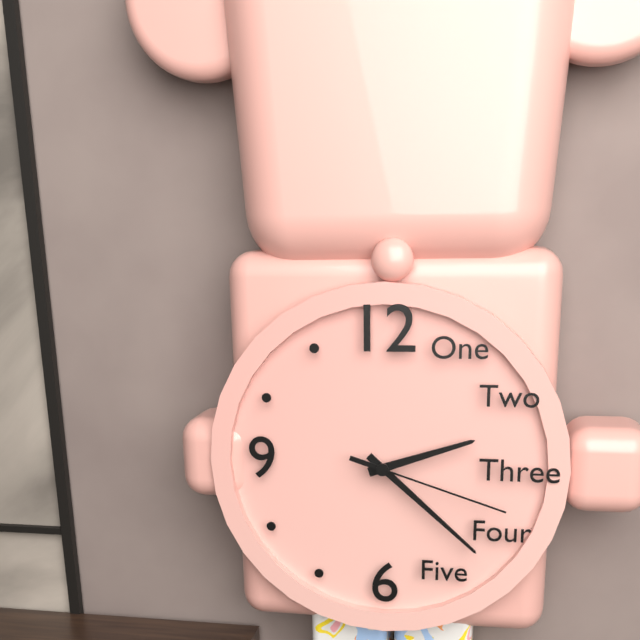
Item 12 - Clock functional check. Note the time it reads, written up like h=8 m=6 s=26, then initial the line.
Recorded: h=2 m=22 s=18
